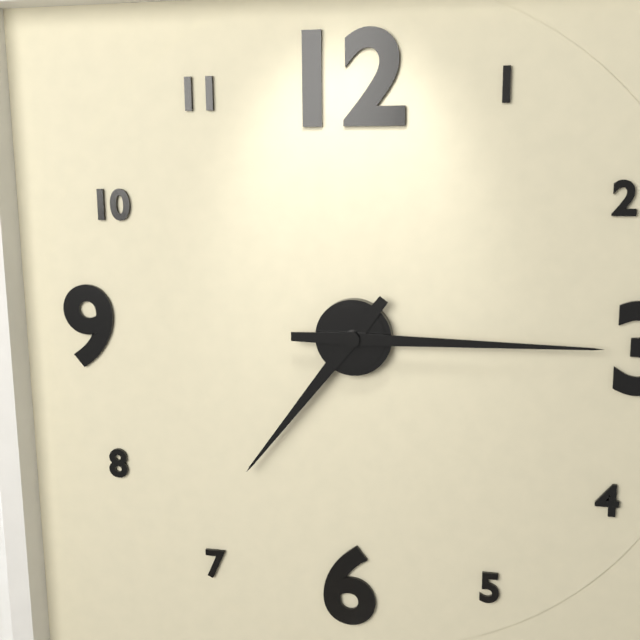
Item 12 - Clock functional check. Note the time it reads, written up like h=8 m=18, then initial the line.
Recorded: h=7 m=15
